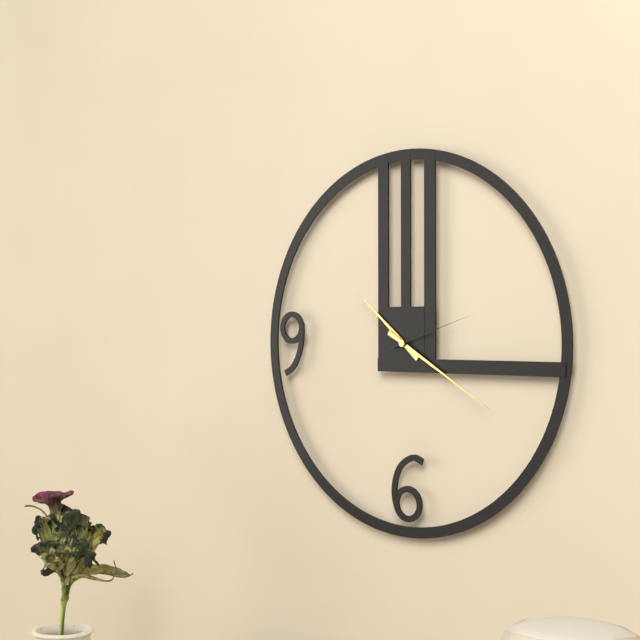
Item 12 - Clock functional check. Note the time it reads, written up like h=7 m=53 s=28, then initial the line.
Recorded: h=10 m=20 s=12
